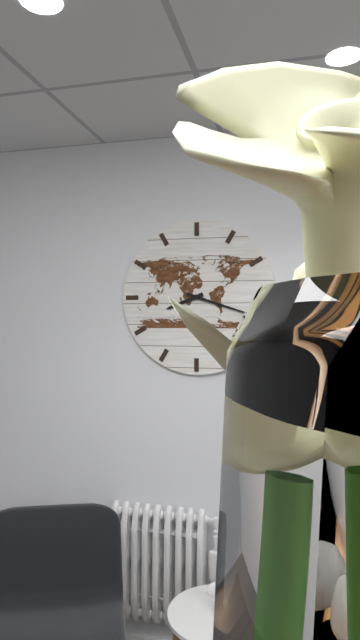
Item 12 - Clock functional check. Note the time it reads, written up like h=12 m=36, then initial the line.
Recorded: h=8 m=18
